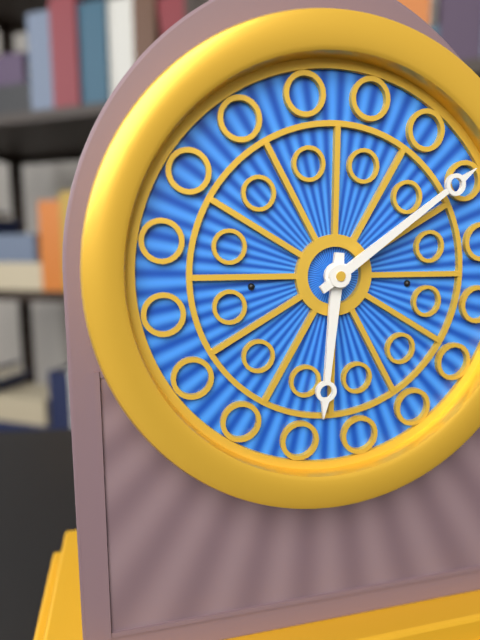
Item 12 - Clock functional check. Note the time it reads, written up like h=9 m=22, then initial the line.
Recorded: h=6 m=9
